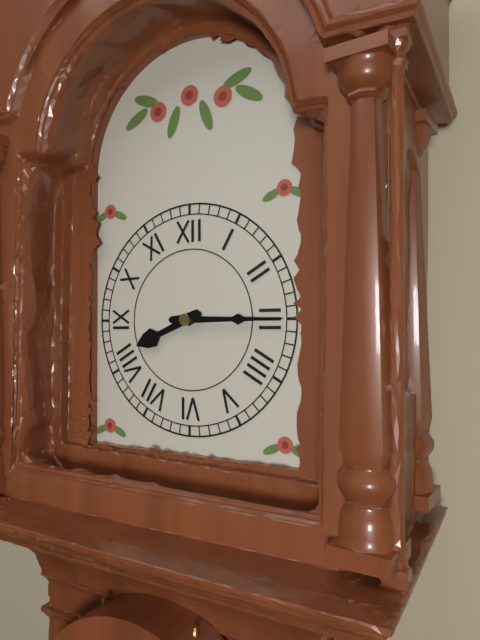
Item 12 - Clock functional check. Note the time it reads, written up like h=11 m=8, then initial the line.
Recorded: h=8 m=15
